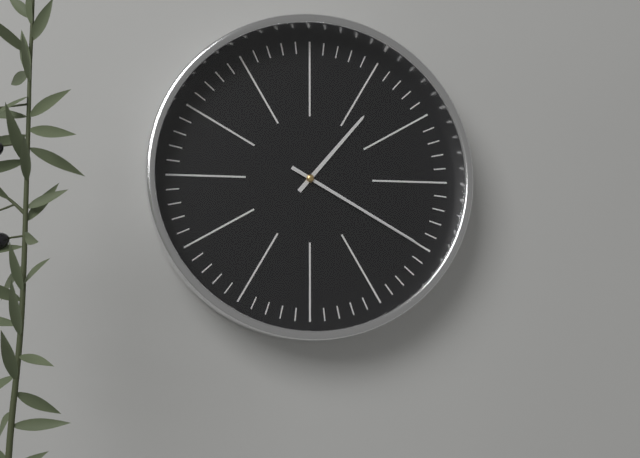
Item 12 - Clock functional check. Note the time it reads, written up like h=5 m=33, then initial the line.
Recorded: h=1 m=20
